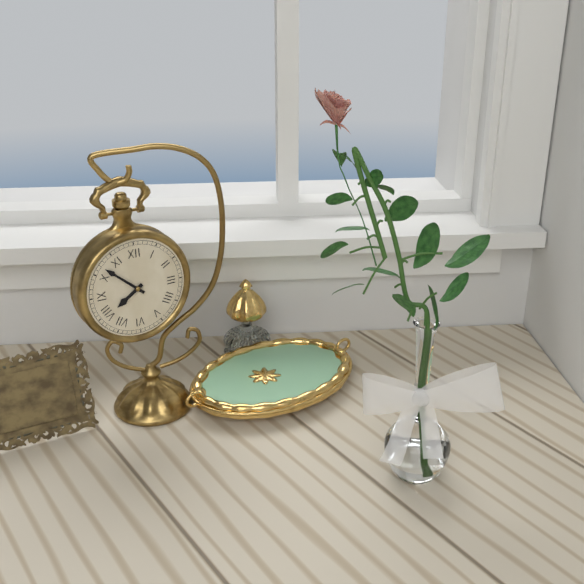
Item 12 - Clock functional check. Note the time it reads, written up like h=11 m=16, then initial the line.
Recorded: h=7 m=52
